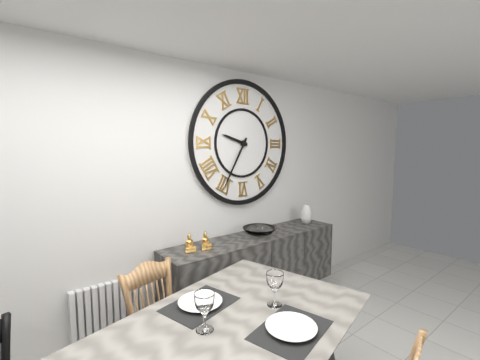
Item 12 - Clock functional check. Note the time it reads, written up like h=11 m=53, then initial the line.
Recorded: h=9 m=35
